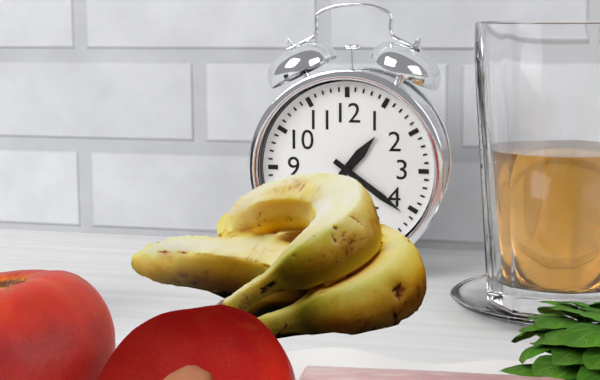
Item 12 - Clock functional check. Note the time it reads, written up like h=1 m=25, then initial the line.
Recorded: h=1 m=21
